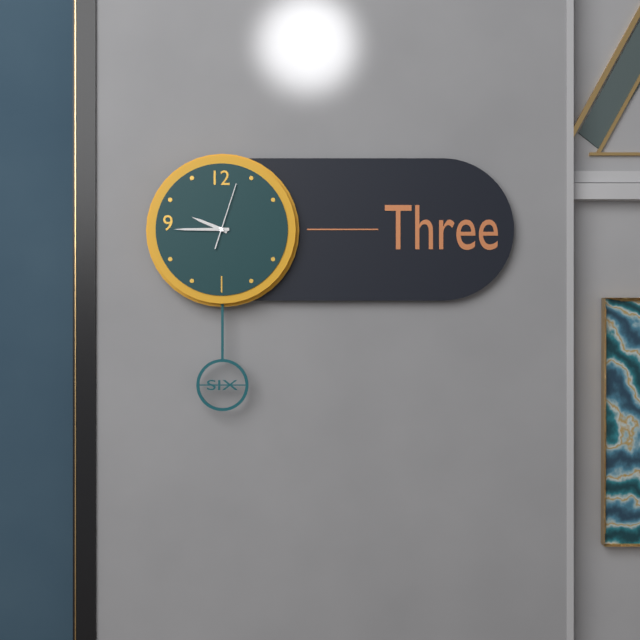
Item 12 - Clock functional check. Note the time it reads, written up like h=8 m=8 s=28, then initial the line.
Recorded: h=9 m=45 s=3
